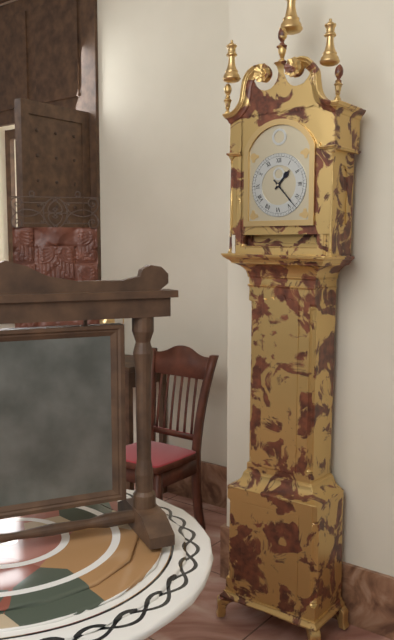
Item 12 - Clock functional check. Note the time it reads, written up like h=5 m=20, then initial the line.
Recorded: h=1 m=23
